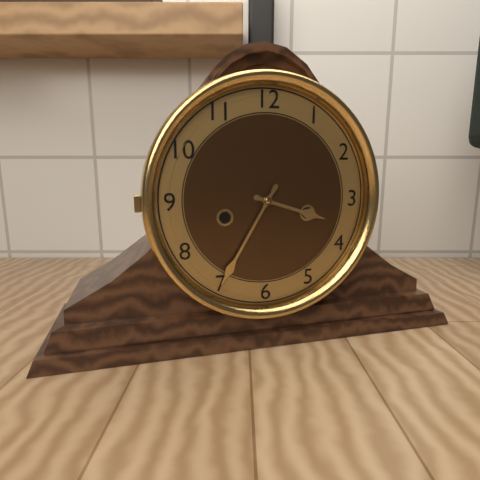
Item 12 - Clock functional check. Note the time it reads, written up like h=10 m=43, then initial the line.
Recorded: h=3 m=35
